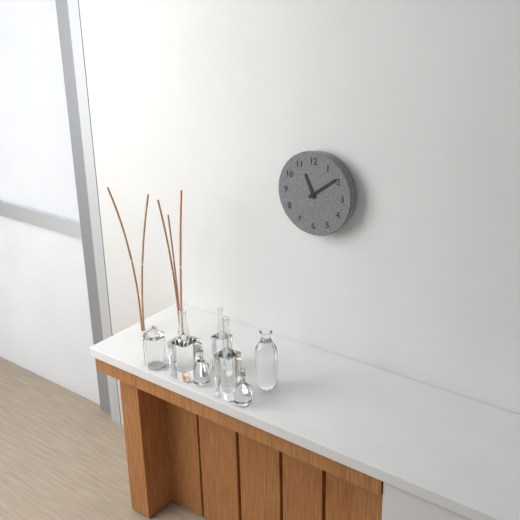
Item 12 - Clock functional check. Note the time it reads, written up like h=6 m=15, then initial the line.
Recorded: h=11 m=9
